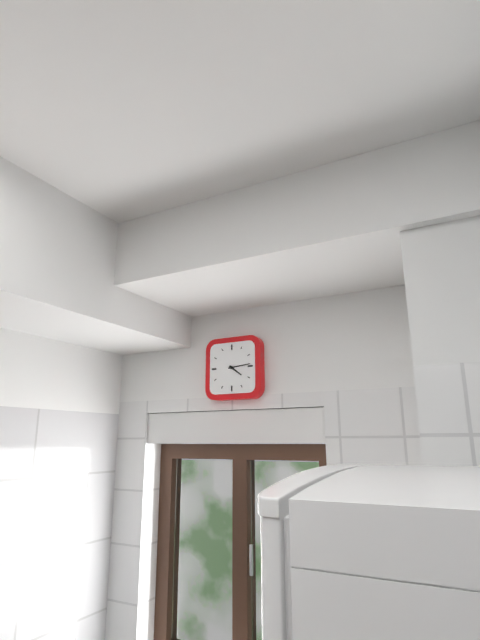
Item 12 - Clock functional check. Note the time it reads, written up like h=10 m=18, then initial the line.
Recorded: h=4 m=14
